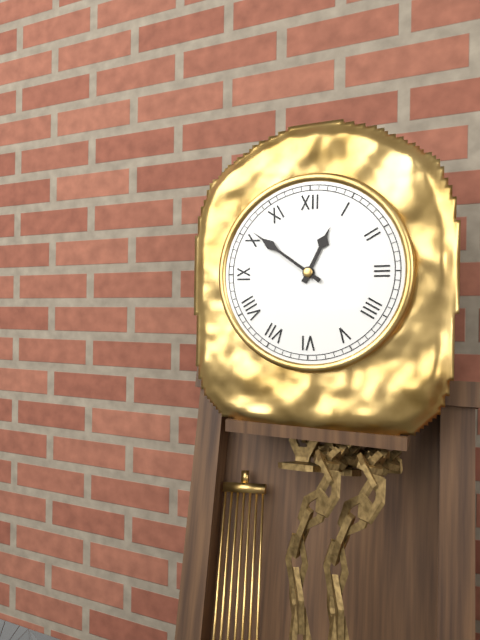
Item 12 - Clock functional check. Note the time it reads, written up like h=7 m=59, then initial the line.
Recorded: h=12 m=51
